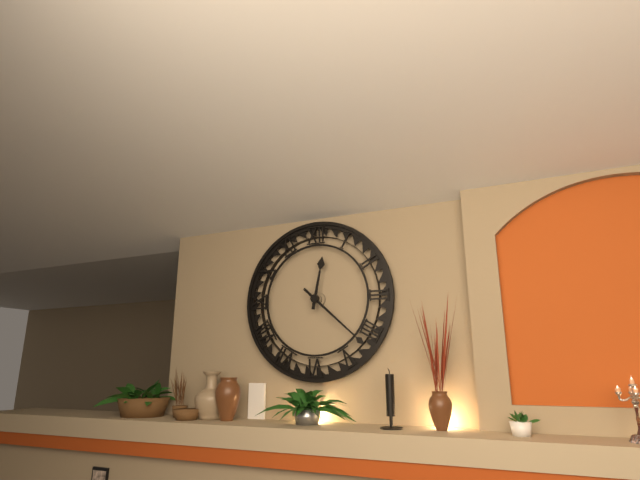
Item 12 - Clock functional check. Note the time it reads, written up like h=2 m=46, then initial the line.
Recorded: h=12 m=22
